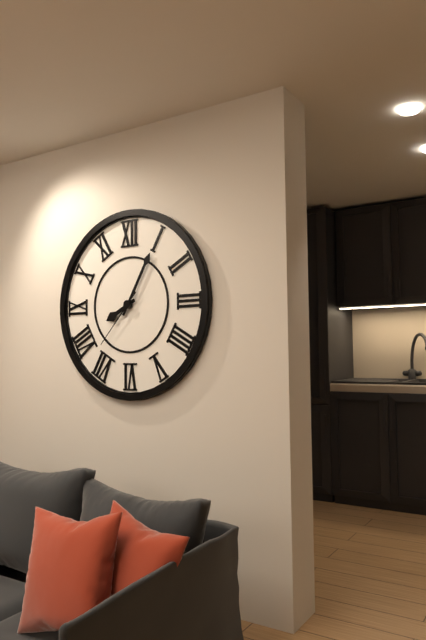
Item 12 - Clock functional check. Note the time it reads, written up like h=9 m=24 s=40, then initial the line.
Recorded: h=8 m=5 s=37
